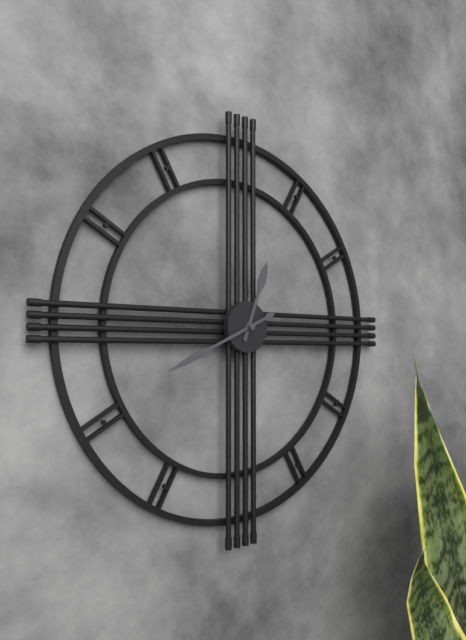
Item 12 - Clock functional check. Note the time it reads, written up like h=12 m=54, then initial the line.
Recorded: h=12 m=41
